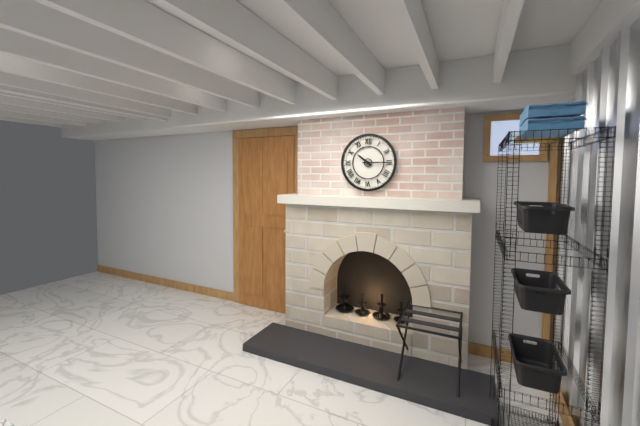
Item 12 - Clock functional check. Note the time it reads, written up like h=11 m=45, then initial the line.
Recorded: h=10 m=15
